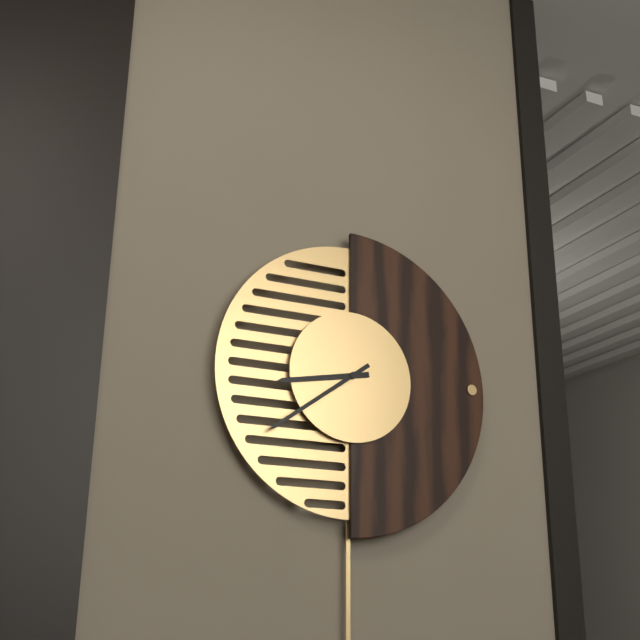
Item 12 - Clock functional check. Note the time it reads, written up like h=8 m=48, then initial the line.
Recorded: h=8 m=39
